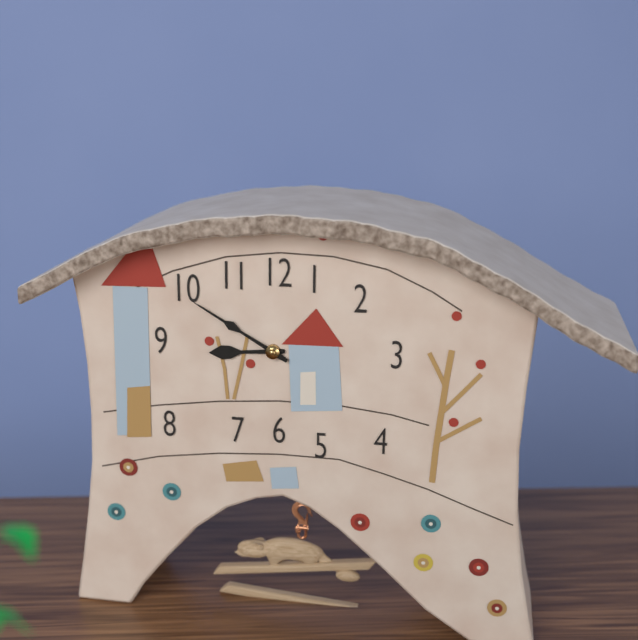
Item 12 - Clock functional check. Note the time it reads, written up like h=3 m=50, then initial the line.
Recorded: h=8 m=50
